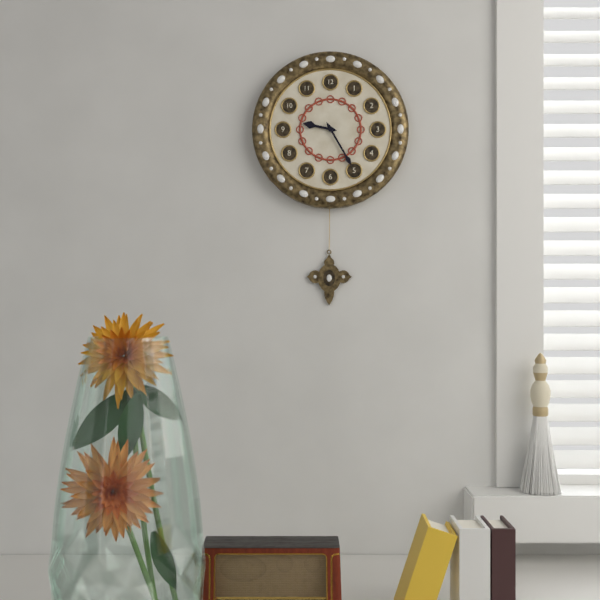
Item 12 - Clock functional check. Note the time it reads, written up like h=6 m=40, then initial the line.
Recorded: h=9 m=25
